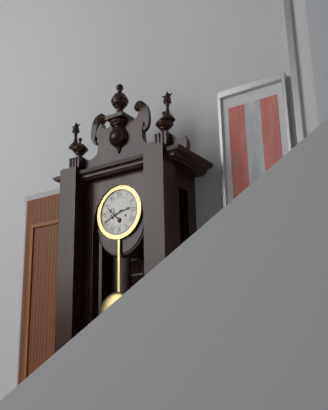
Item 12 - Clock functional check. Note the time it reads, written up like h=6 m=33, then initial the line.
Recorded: h=2 m=41
